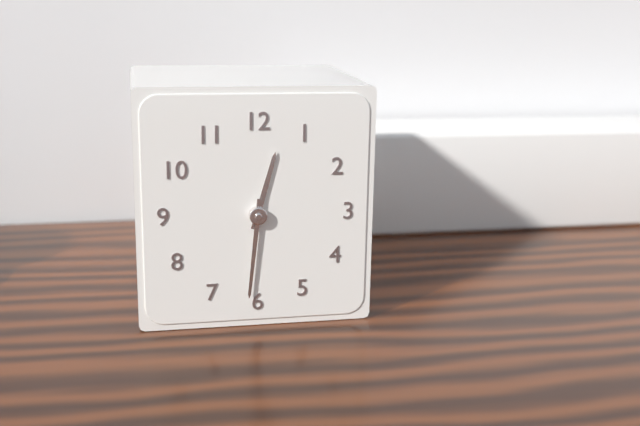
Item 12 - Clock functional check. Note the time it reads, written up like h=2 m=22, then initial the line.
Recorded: h=12 m=31
